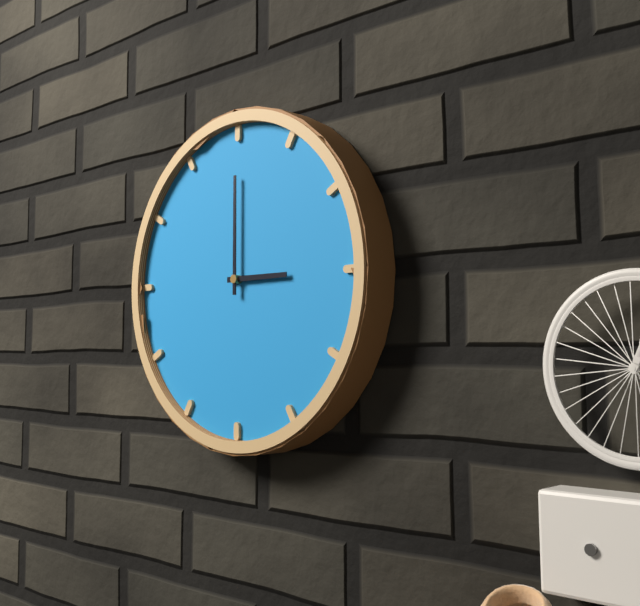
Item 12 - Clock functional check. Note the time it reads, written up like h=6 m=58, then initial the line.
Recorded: h=3 m=0
